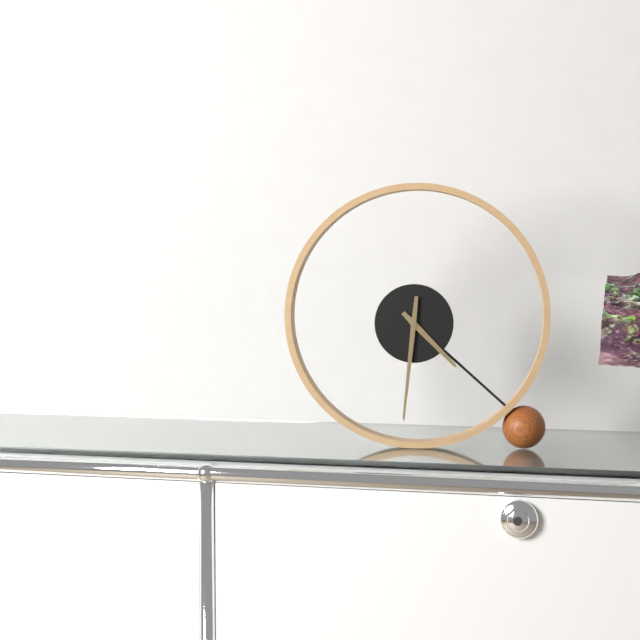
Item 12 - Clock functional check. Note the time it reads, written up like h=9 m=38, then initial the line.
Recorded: h=4 m=31
